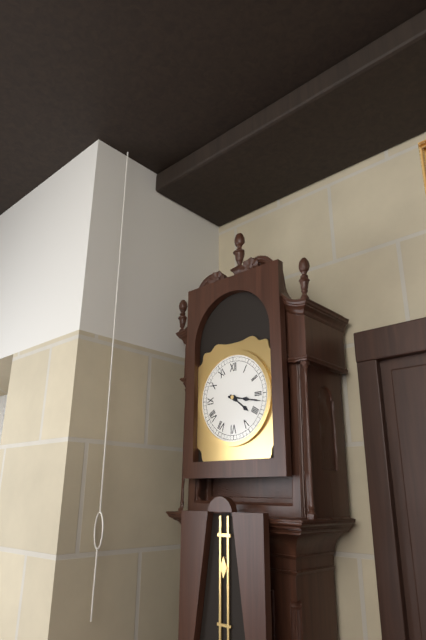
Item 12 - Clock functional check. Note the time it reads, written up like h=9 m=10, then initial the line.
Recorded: h=4 m=17
